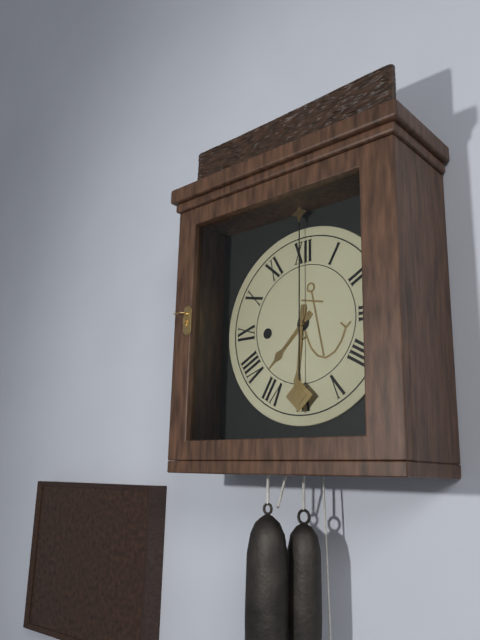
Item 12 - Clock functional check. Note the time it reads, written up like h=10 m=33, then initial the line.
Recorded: h=7 m=31
